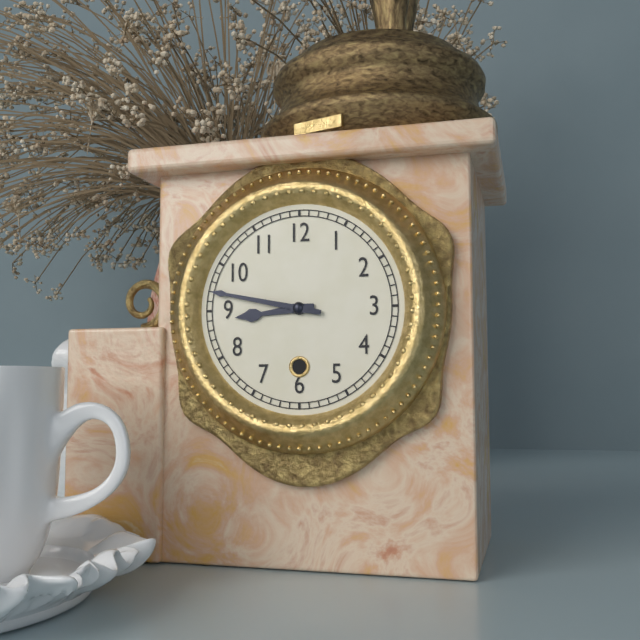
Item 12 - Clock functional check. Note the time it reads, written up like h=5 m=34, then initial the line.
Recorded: h=8 m=47
